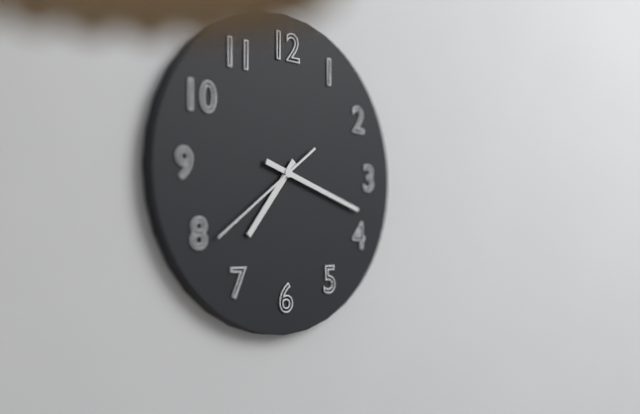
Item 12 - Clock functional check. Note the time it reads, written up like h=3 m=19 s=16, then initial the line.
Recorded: h=7 m=18 s=39
